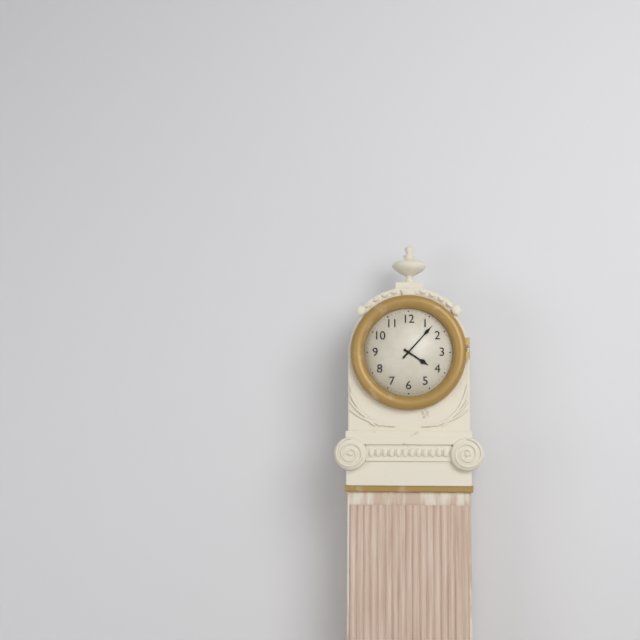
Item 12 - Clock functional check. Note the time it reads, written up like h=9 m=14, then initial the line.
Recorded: h=4 m=7
